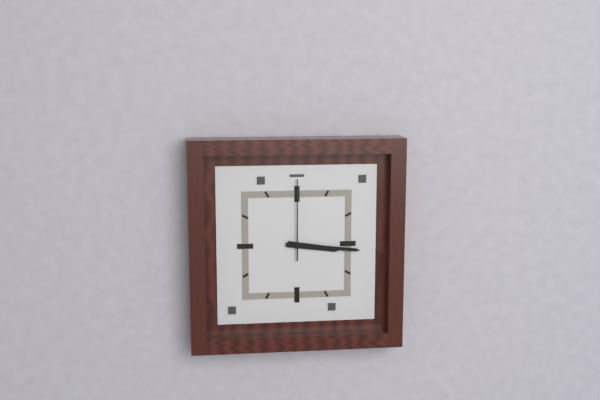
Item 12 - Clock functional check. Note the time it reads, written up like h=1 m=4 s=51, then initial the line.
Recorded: h=3 m=16 s=0
